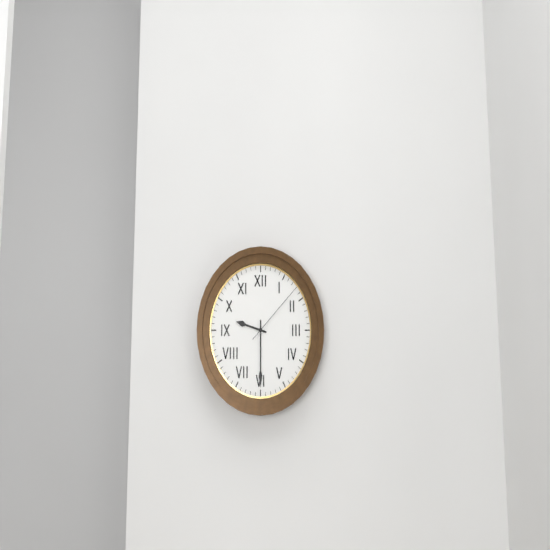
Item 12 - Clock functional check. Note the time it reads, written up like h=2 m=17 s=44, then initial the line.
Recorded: h=9 m=30 s=8
